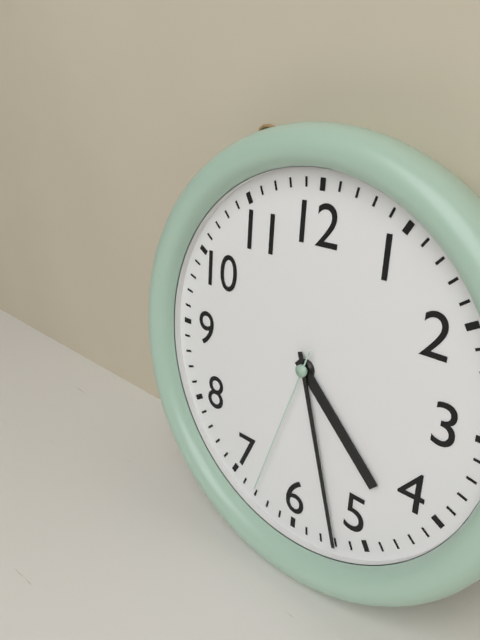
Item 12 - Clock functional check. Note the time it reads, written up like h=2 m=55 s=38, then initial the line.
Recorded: h=4 m=27 s=33
